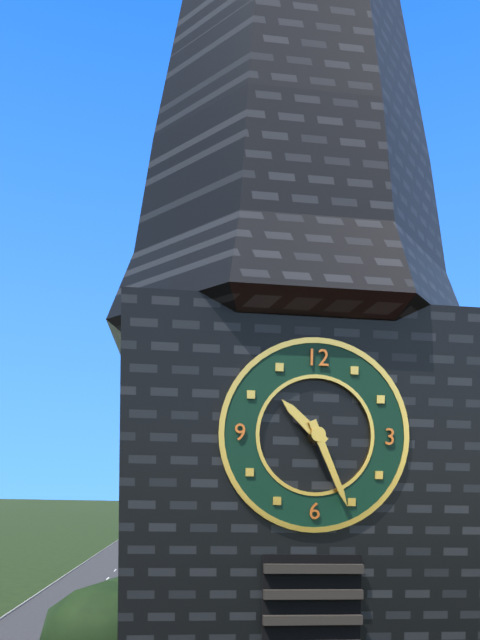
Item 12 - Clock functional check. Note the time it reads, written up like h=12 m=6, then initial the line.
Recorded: h=10 m=26
